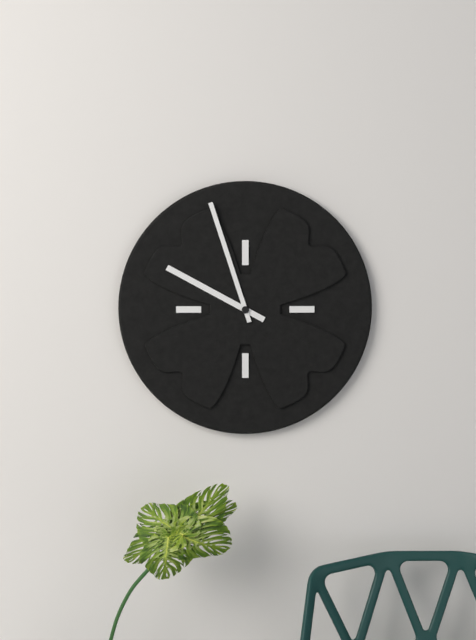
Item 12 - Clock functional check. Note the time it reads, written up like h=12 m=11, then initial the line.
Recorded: h=9 m=57
